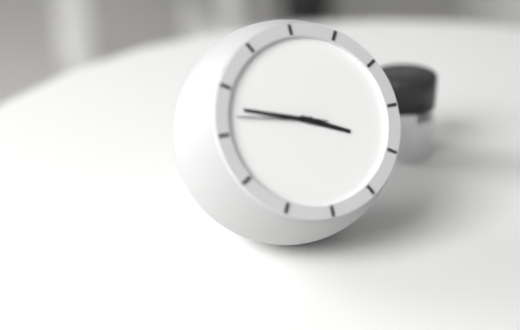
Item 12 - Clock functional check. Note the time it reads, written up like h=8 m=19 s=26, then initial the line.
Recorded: h=3 m=48 s=47
